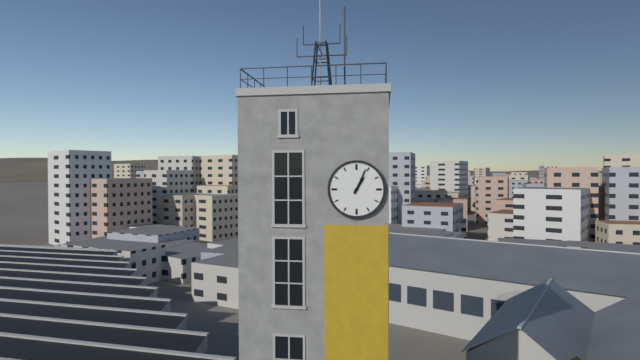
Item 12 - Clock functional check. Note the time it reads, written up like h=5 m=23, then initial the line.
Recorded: h=1 m=4
